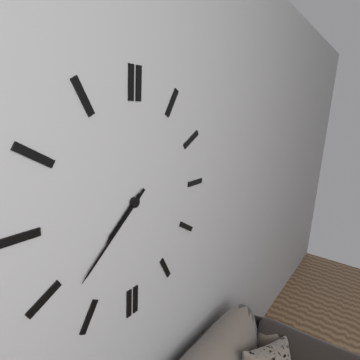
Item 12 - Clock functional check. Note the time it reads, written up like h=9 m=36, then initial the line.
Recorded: h=7 m=38
